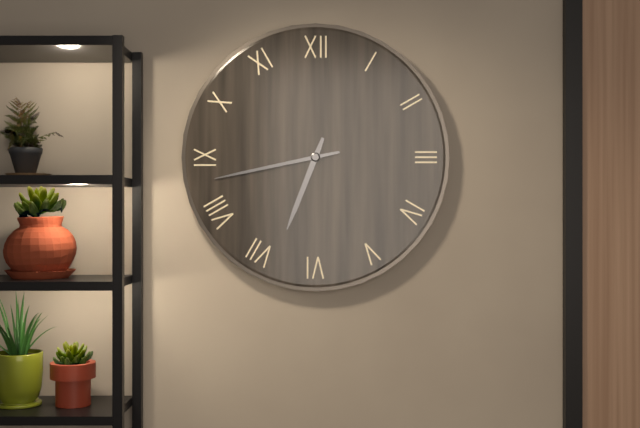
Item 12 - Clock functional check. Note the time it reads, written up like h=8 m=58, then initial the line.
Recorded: h=6 m=43
